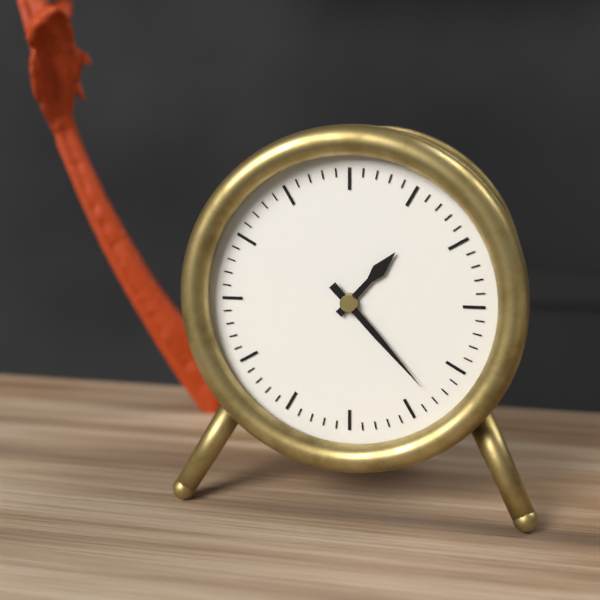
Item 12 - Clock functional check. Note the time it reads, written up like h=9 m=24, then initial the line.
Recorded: h=1 m=23
